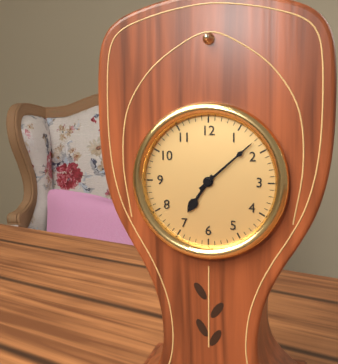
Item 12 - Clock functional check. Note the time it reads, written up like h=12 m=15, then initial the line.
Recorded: h=7 m=8
